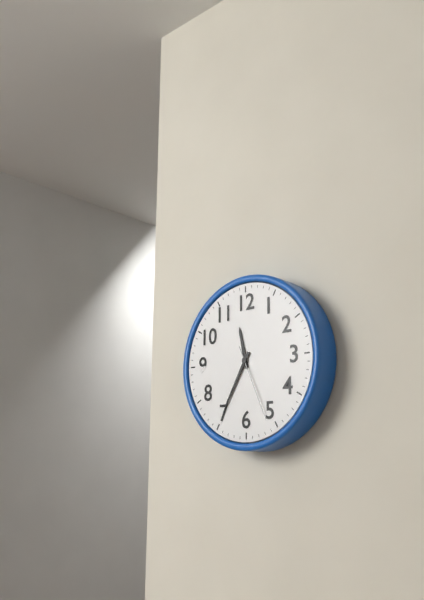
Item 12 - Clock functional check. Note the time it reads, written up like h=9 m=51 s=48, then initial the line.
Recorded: h=11 m=35 s=26
